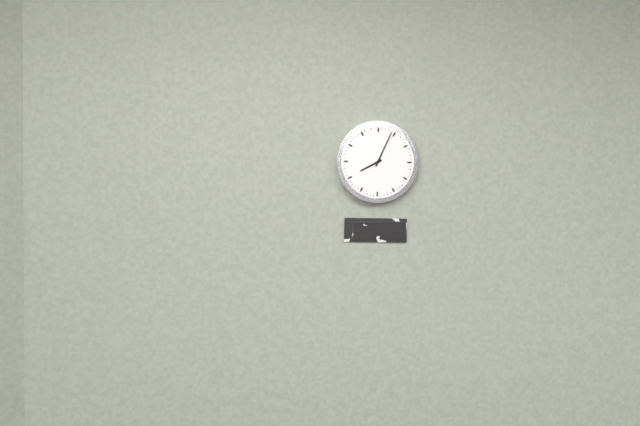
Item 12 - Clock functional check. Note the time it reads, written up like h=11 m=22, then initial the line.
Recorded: h=8 m=4
